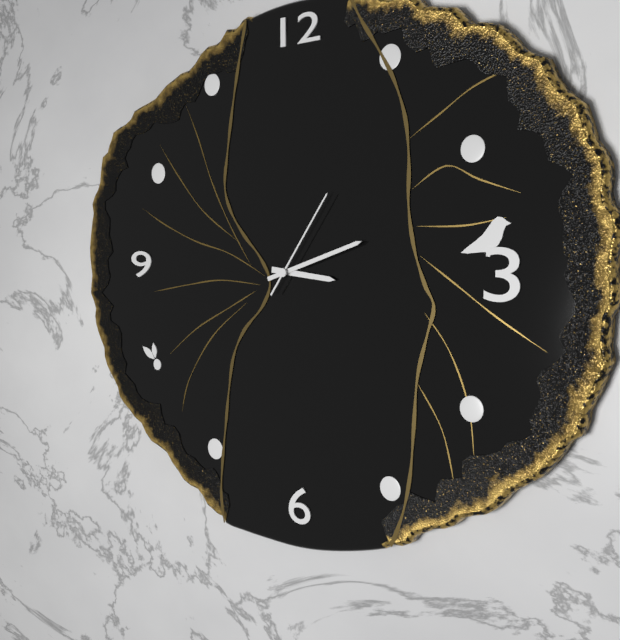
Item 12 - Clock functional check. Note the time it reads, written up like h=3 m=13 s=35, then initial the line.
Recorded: h=3 m=12 s=6
